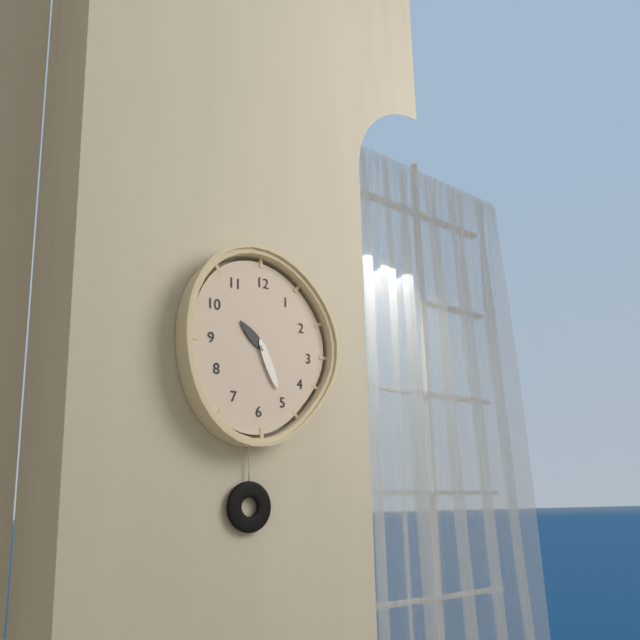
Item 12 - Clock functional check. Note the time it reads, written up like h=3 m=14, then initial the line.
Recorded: h=10 m=26
